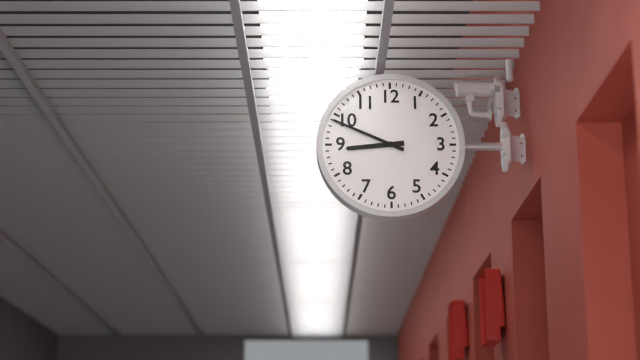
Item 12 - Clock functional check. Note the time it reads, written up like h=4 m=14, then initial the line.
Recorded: h=8 m=49
